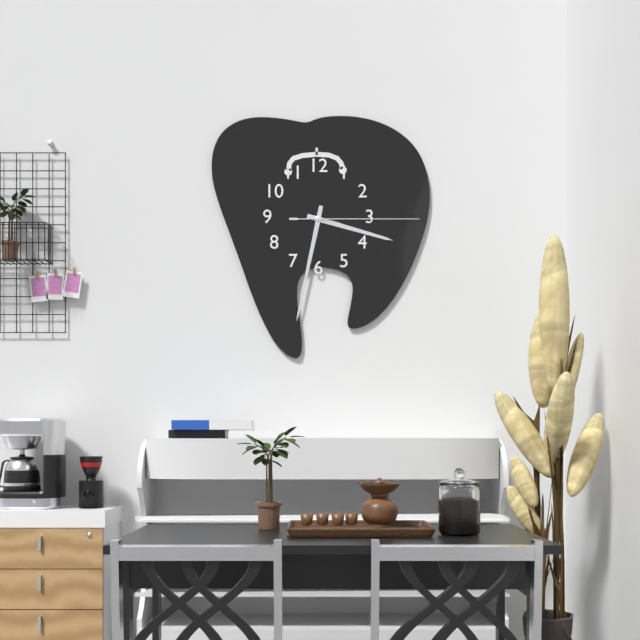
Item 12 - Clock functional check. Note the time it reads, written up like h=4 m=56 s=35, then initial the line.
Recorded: h=3 m=32 s=15
